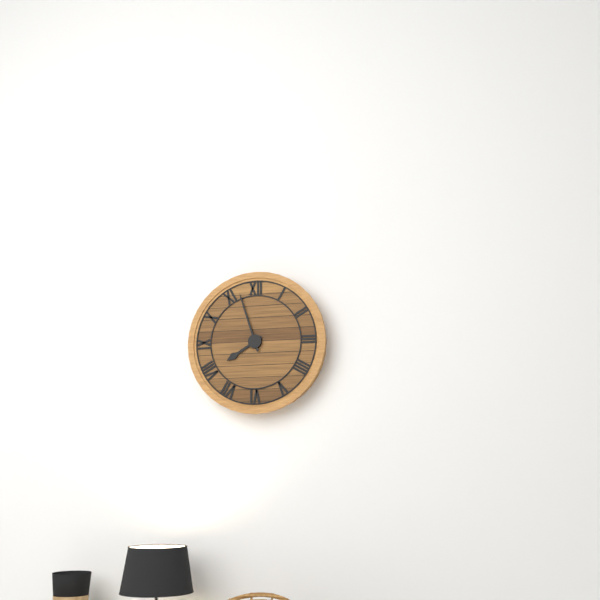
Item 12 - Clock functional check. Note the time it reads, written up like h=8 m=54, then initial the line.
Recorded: h=7 m=57
